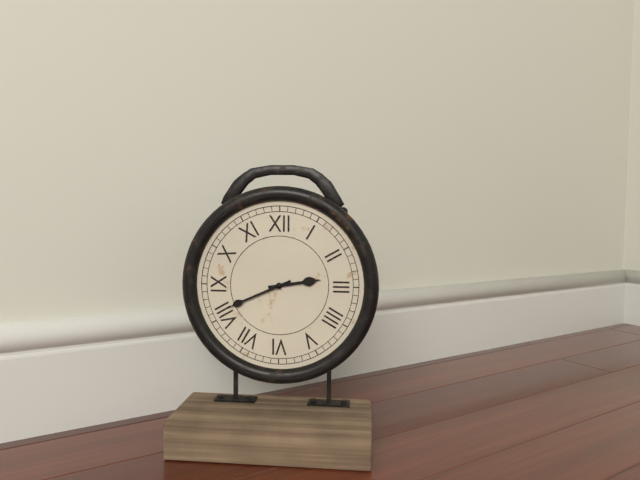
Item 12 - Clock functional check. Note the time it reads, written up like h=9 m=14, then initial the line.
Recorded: h=2 m=41
